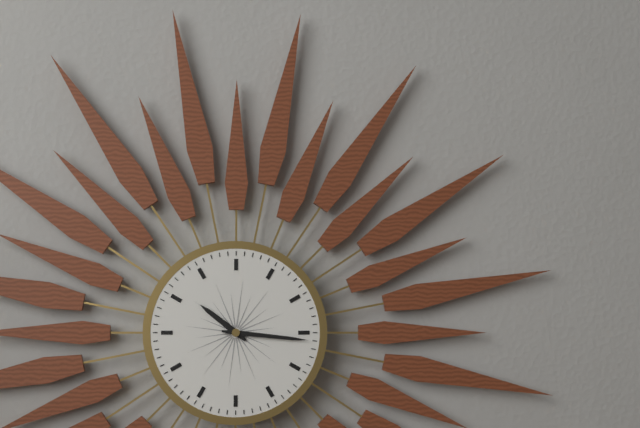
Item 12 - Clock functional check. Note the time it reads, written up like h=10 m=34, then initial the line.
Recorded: h=10 m=16
